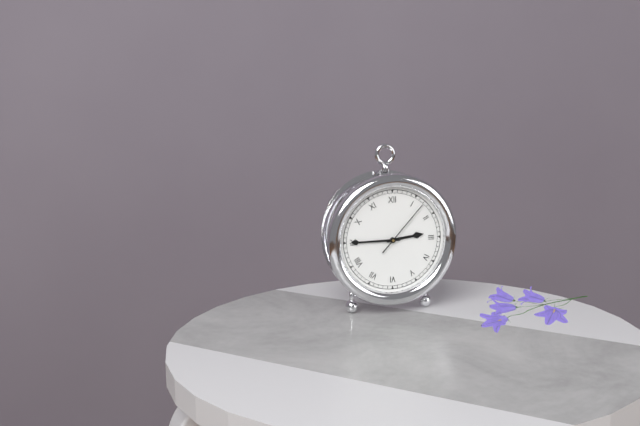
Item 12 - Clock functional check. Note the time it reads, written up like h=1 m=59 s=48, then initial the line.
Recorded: h=2 m=45 s=7
